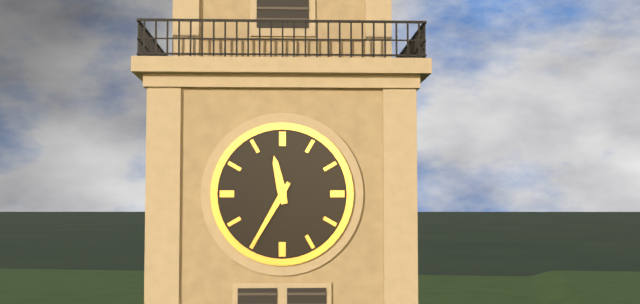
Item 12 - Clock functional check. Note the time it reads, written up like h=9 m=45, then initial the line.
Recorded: h=11 m=35
